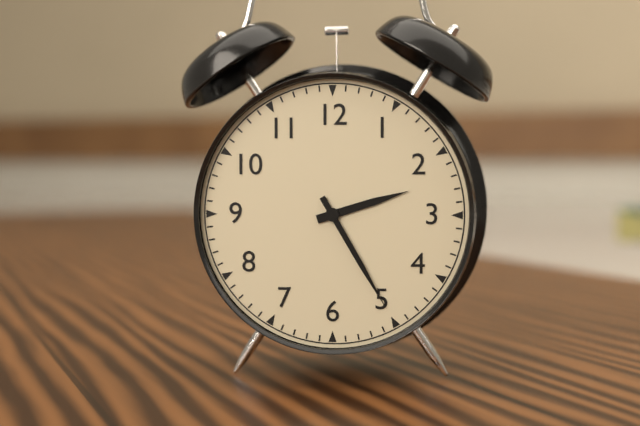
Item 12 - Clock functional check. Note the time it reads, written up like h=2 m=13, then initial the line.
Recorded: h=2 m=25
